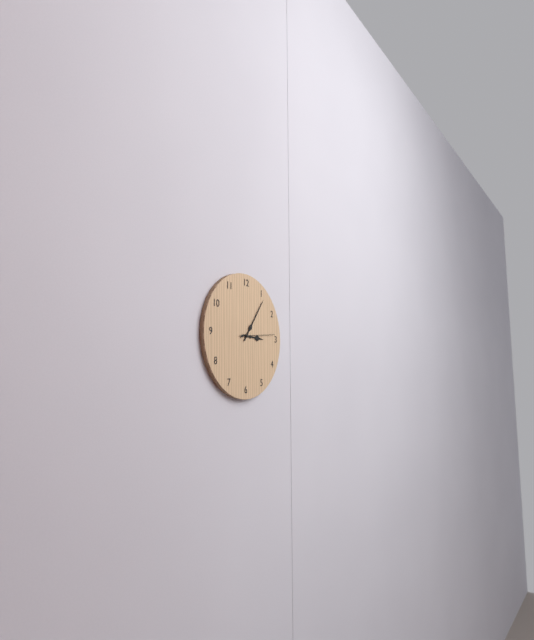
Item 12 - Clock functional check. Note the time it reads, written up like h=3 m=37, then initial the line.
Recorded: h=3 m=6
